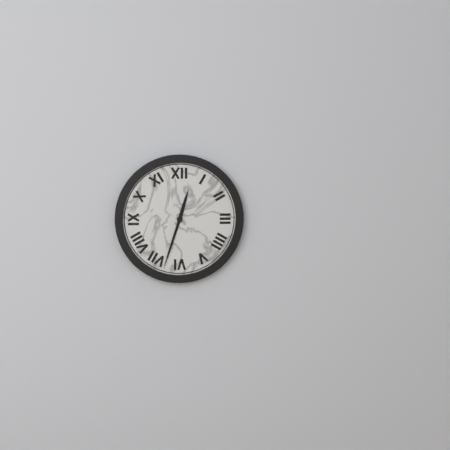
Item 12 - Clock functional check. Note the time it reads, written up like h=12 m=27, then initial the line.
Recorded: h=12 m=33
